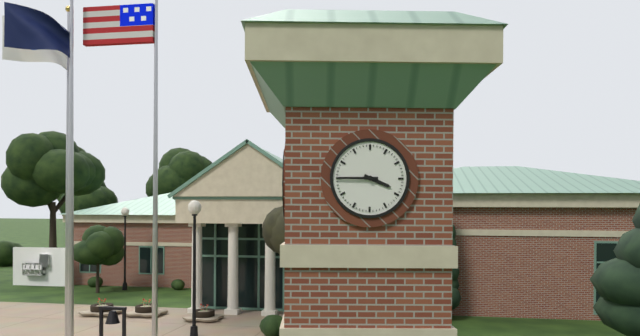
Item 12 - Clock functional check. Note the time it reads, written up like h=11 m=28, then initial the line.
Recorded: h=3 m=45
